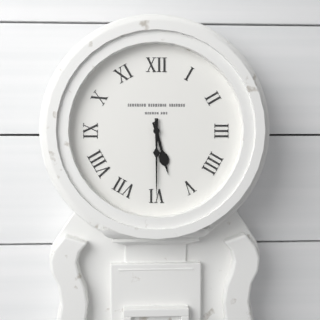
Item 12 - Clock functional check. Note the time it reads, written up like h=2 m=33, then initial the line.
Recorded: h=5 m=30
